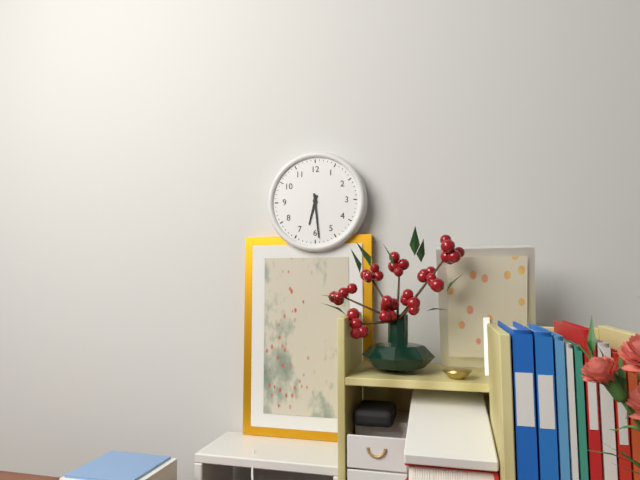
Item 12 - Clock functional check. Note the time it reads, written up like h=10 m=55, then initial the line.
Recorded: h=6 m=29
